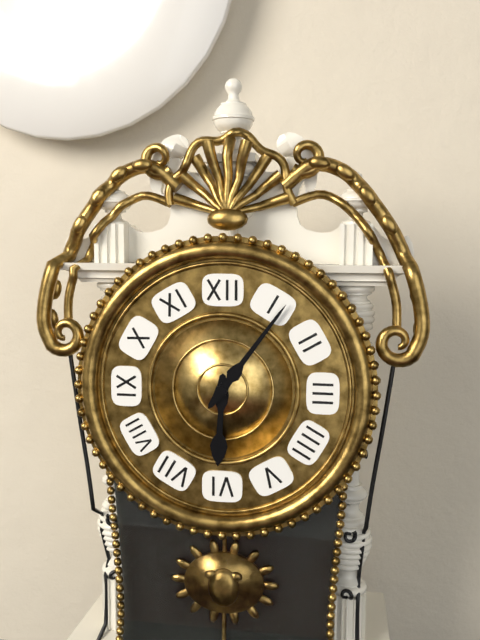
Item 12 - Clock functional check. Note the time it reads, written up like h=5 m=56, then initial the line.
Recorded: h=6 m=6
